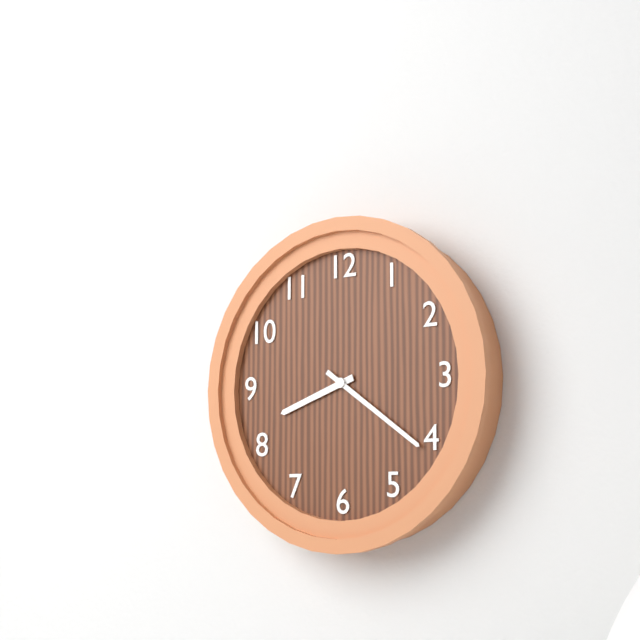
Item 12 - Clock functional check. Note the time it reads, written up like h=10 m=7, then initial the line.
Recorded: h=8 m=21
